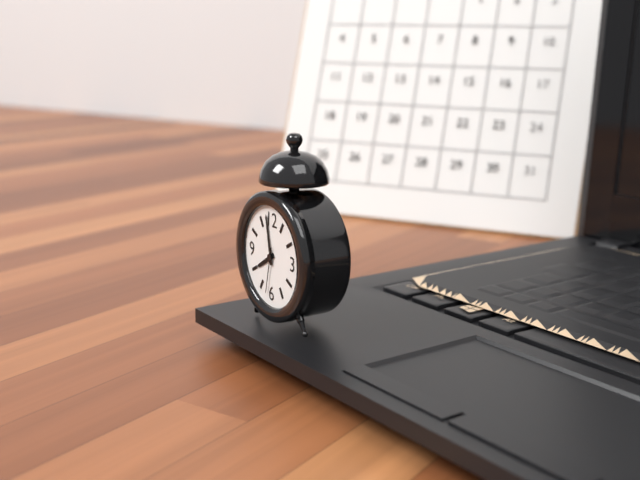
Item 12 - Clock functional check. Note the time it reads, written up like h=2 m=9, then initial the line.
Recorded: h=7 m=58
